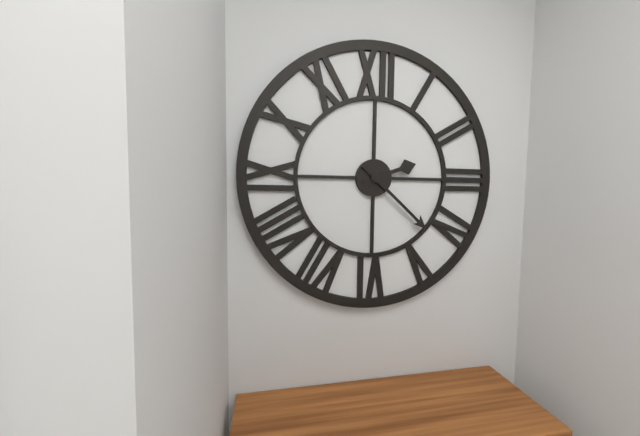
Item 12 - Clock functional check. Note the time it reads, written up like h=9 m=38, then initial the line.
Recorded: h=2 m=22
